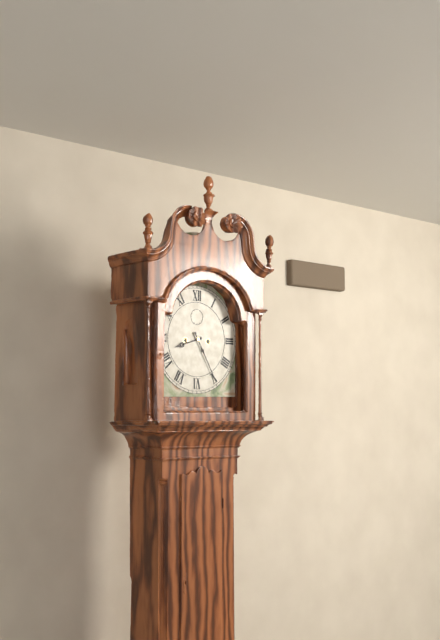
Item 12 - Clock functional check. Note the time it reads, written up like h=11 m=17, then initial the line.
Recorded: h=8 m=25
